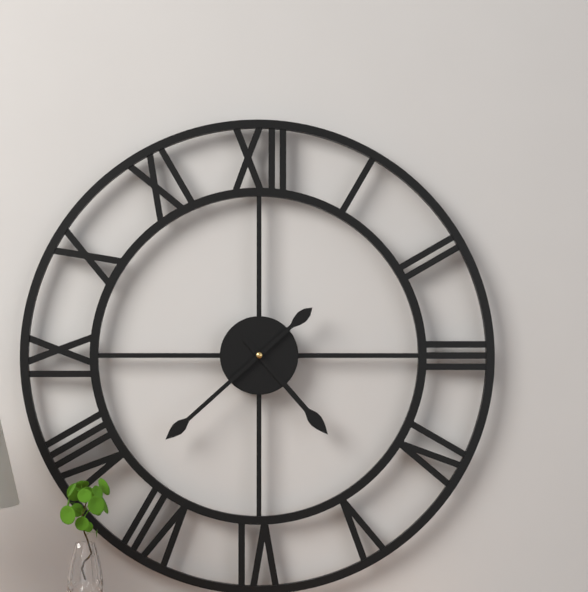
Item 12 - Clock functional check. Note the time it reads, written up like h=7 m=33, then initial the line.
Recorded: h=4 m=38
